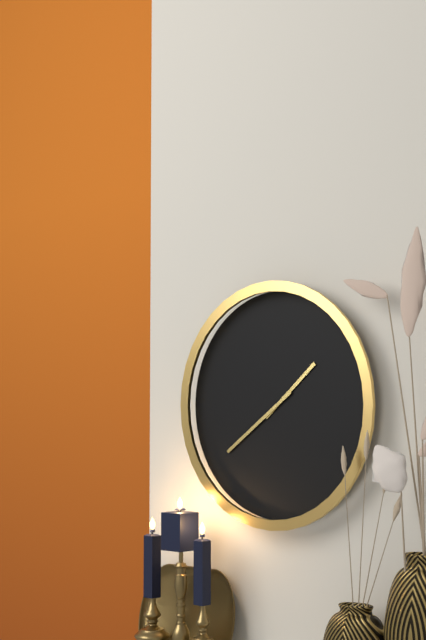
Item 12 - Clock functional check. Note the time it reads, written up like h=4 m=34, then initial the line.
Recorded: h=1 m=39
